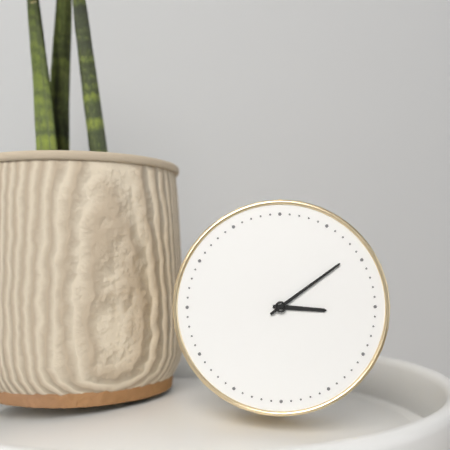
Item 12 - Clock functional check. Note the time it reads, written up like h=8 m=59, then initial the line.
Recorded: h=3 m=9
